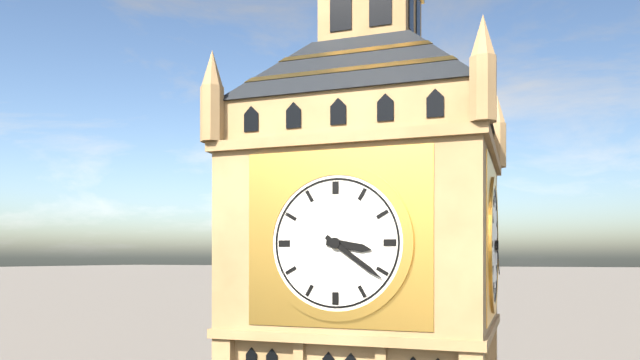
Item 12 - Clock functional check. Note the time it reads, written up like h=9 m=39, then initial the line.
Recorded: h=3 m=21
